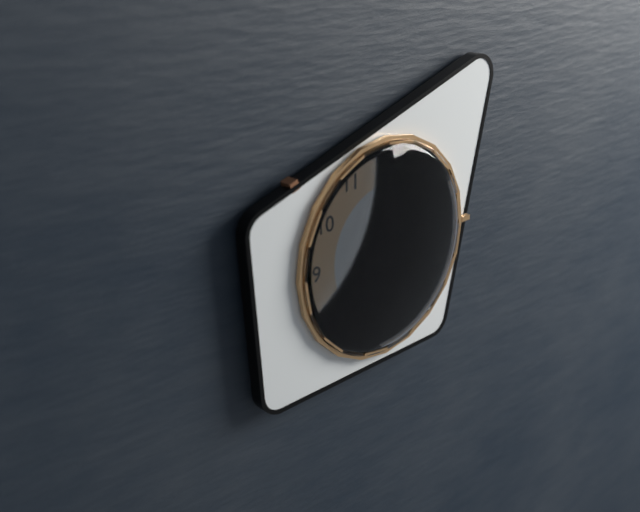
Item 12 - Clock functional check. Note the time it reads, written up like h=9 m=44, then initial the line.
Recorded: h=8 m=6
